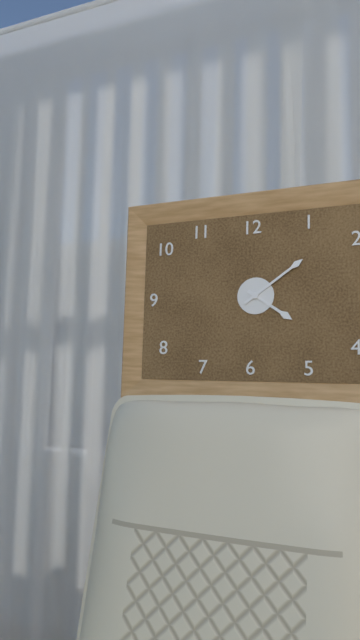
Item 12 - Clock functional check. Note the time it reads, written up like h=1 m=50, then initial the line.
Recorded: h=4 m=9
